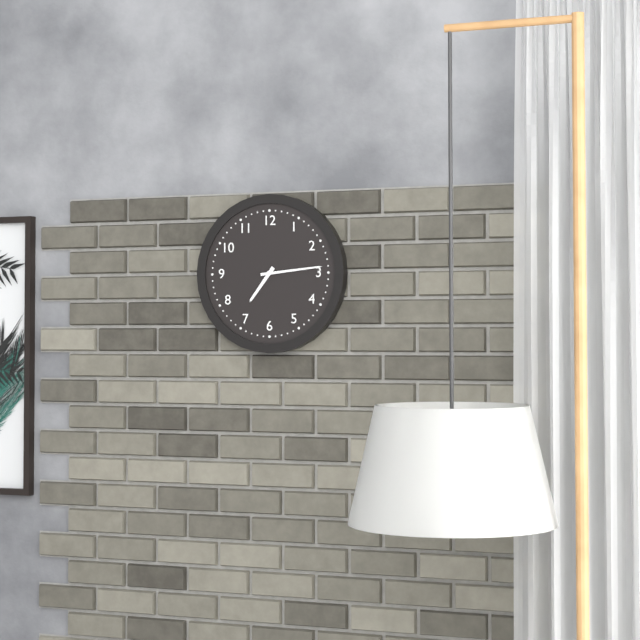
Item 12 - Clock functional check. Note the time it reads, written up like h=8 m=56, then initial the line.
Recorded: h=7 m=14
